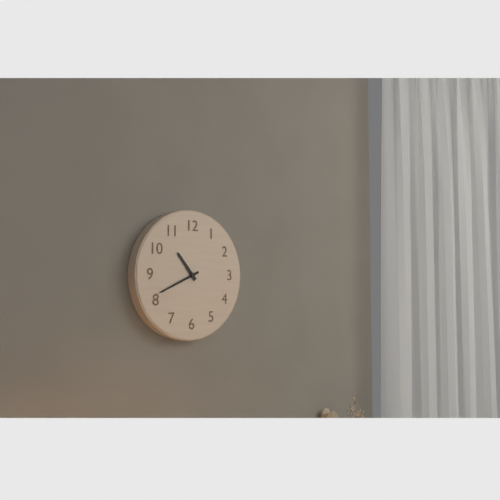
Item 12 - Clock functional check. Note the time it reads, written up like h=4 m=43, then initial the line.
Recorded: h=10 m=41
